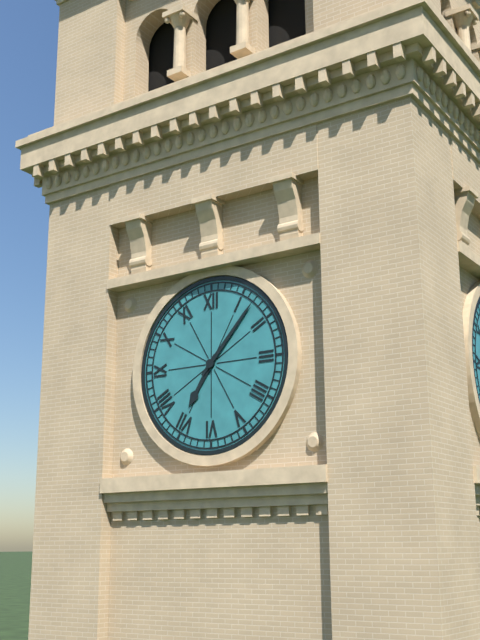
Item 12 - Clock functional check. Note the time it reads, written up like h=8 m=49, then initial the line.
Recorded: h=7 m=7
